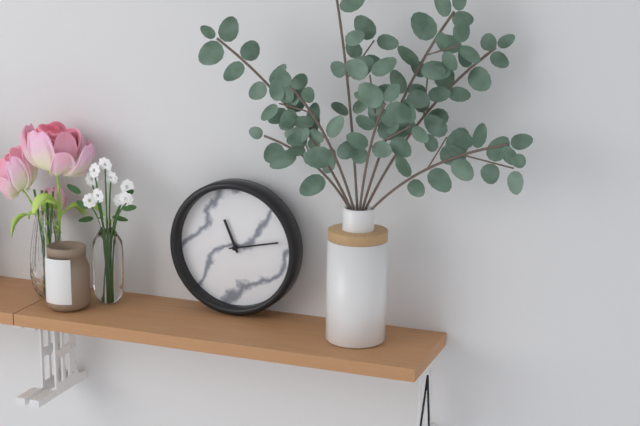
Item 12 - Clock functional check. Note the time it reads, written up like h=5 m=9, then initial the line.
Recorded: h=11 m=13
